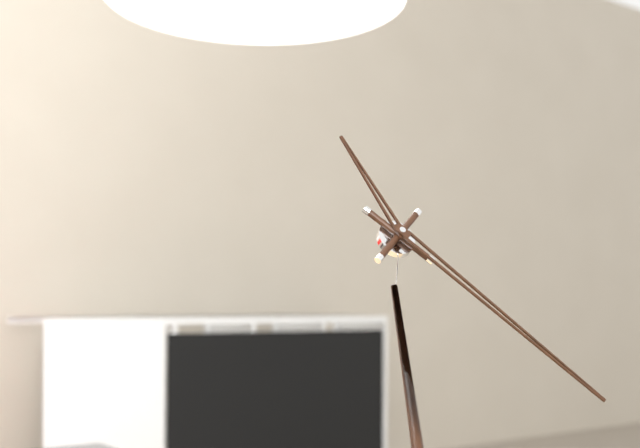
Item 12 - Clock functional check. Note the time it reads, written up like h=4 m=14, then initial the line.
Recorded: h=11 m=23
